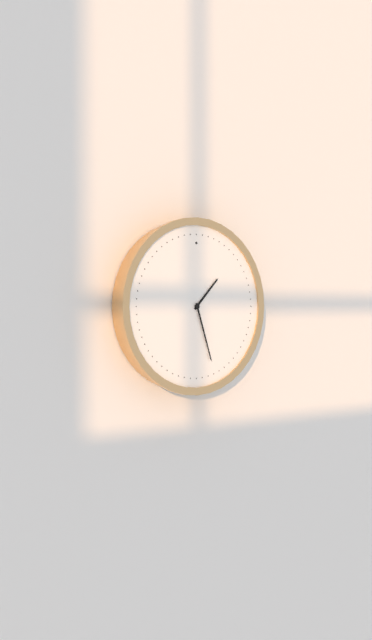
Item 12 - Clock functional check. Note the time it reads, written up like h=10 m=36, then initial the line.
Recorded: h=1 m=27
